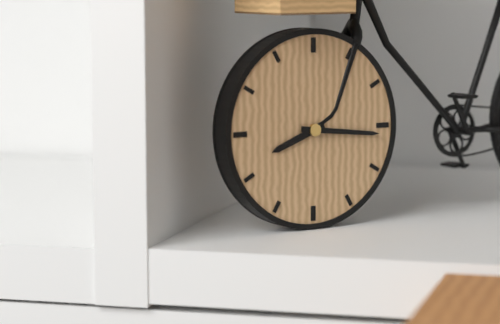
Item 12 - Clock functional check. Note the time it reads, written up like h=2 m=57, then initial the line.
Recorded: h=8 m=16
